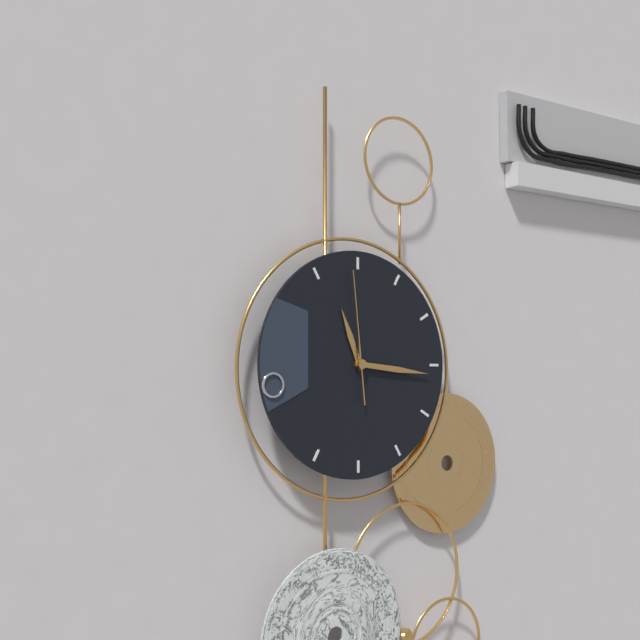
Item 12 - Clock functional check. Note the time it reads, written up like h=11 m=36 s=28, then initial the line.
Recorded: h=11 m=16 s=59
